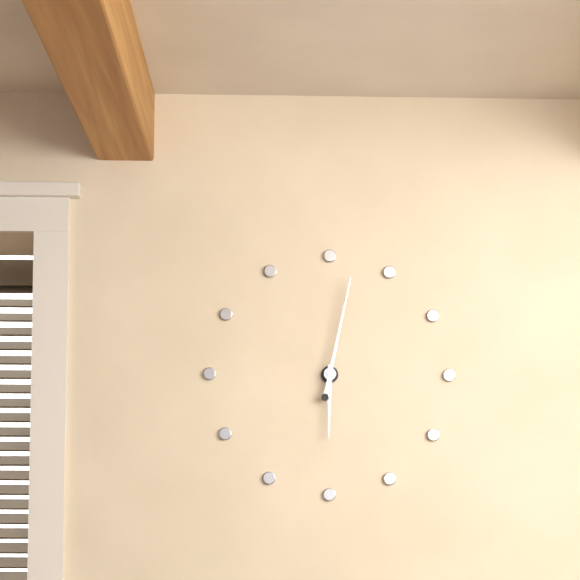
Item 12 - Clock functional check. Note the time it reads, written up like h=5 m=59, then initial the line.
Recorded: h=6 m=2
